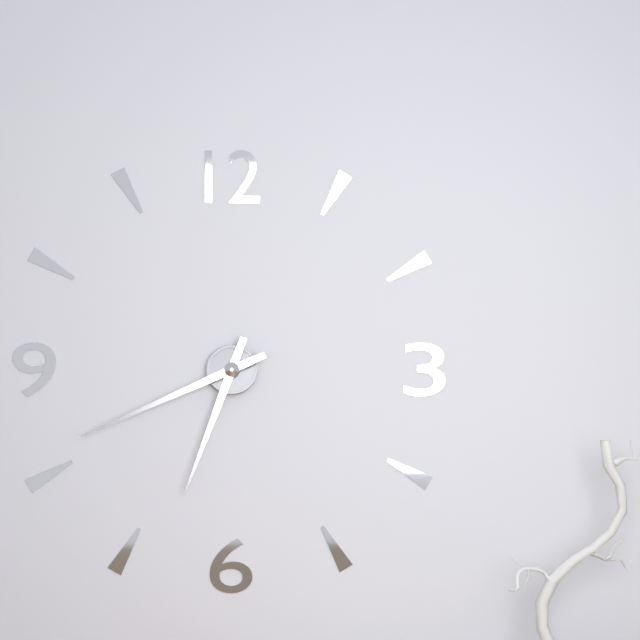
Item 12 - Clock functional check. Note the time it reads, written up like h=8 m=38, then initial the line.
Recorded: h=6 m=41
